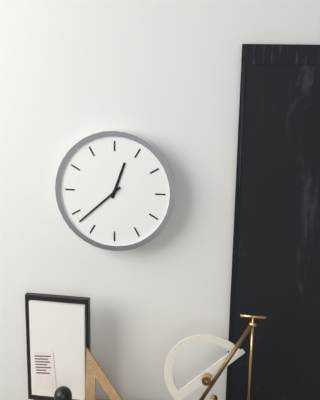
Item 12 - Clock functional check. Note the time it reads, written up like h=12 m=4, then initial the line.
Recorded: h=12 m=38
